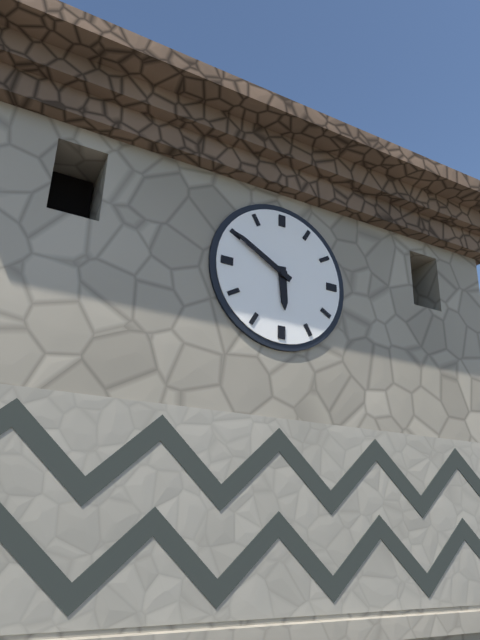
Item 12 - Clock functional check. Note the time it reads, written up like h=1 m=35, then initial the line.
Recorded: h=5 m=50
